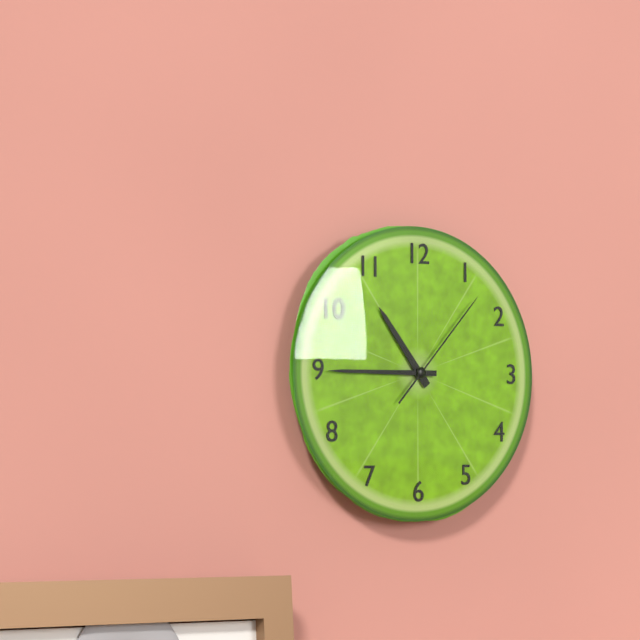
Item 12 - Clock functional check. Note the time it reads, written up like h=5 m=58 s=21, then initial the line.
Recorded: h=10 m=45 s=7
